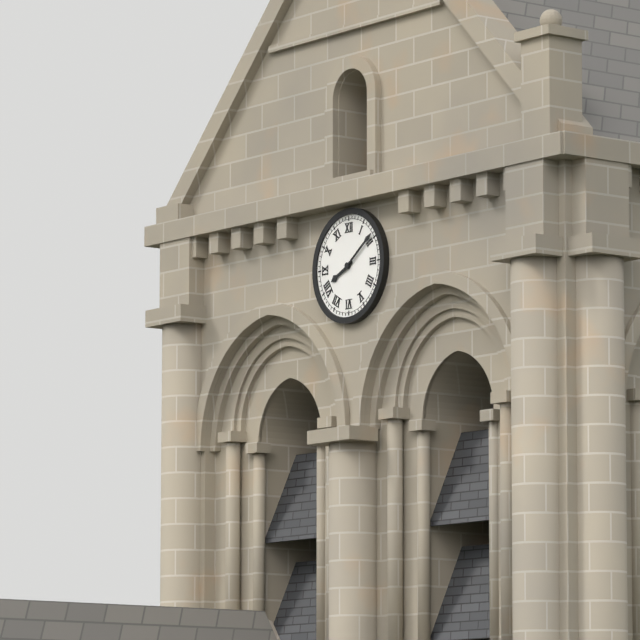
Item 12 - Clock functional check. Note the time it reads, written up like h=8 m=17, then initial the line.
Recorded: h=8 m=9
